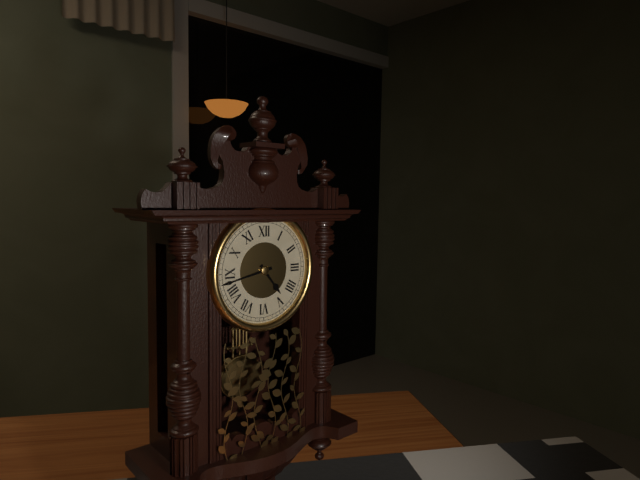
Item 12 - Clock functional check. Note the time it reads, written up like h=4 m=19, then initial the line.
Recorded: h=4 m=43
